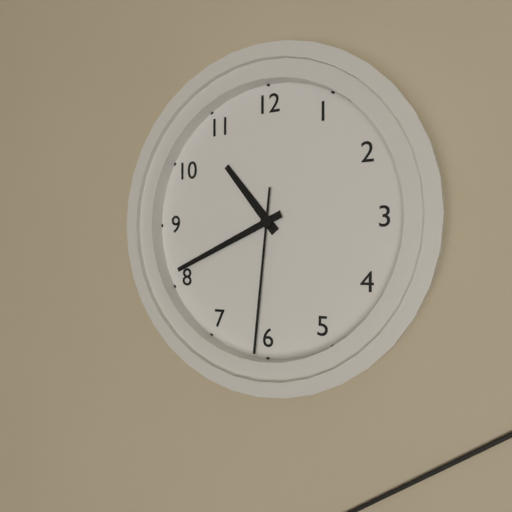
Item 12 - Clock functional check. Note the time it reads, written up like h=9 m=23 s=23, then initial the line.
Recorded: h=10 m=41 s=31
